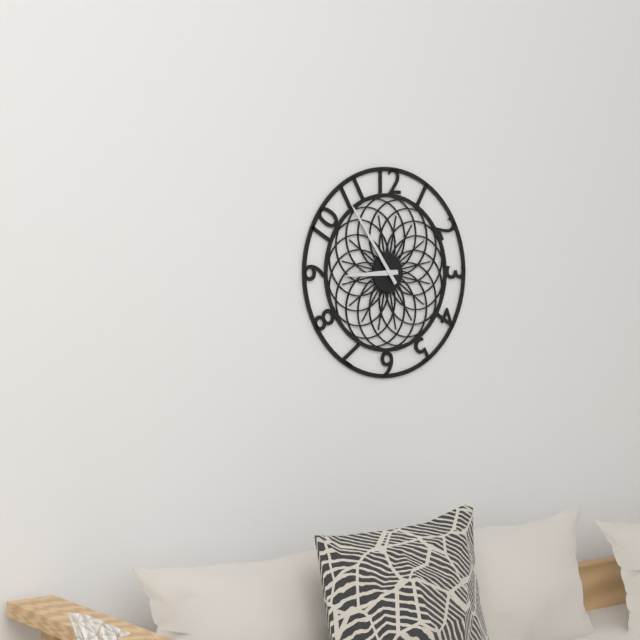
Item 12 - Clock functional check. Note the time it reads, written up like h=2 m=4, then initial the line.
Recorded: h=8 m=54
